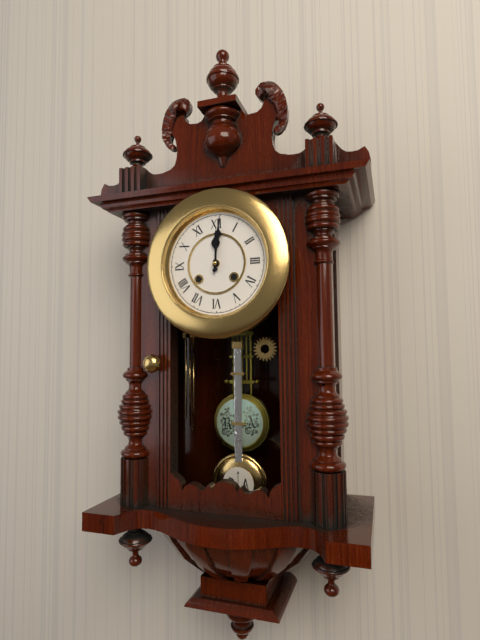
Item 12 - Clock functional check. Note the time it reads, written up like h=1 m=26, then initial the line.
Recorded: h=12 m=1
